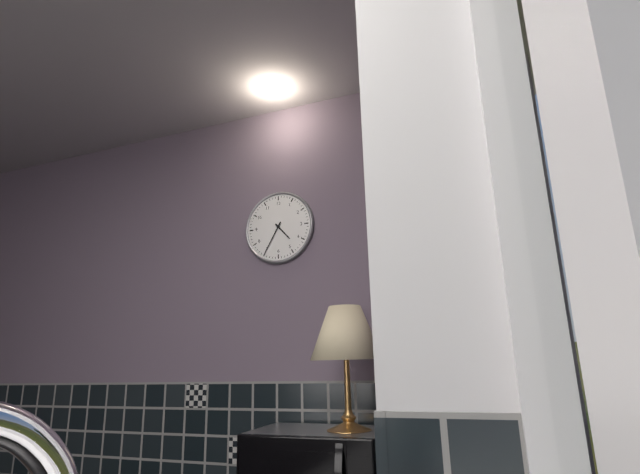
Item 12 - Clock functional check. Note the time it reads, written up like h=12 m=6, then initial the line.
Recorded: h=4 m=35
